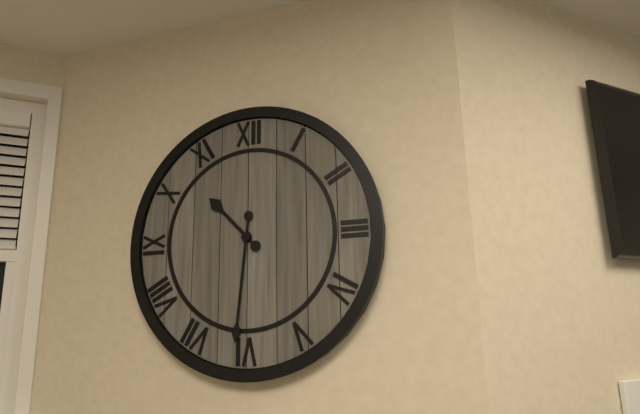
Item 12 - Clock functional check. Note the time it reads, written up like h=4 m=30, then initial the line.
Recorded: h=10 m=31
